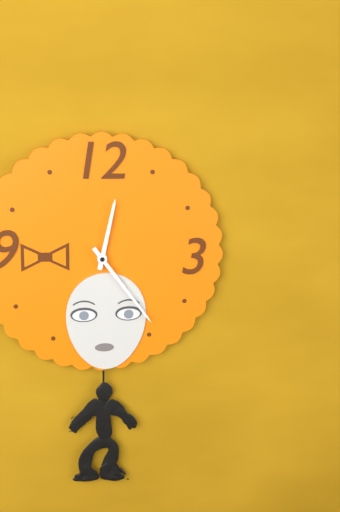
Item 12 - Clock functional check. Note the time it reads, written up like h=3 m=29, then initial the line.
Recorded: h=12 m=24
